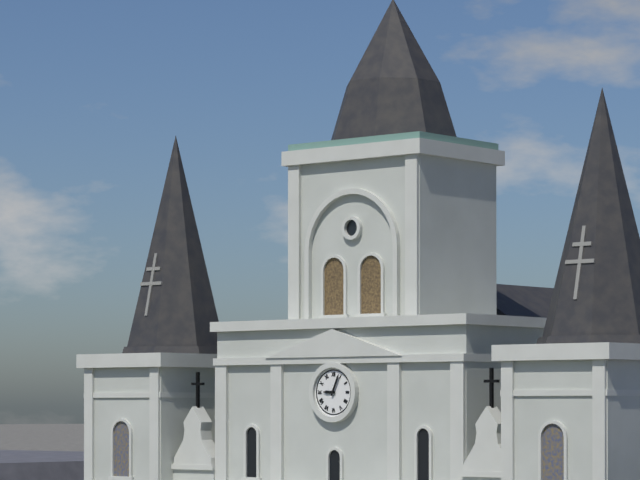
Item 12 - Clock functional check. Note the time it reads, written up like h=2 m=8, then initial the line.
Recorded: h=9 m=4
